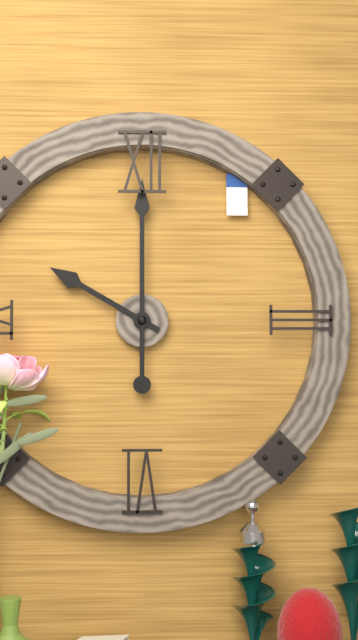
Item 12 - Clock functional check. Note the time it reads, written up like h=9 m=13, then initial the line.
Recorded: h=10 m=0
